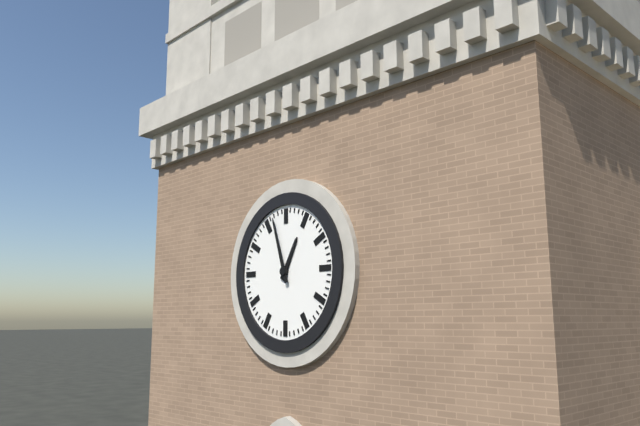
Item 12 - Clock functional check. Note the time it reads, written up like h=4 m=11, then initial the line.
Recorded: h=12 m=57
